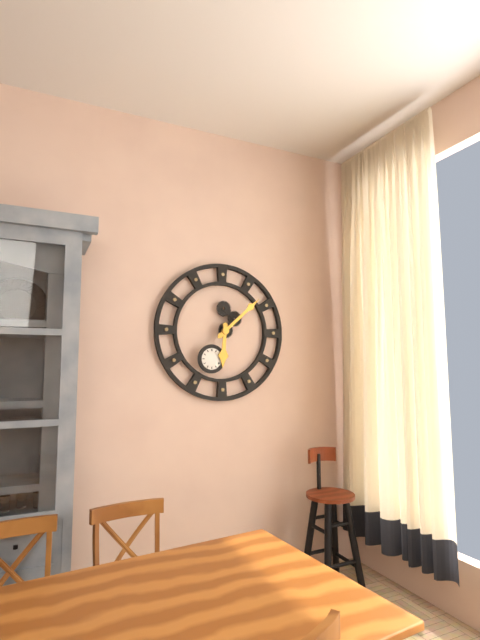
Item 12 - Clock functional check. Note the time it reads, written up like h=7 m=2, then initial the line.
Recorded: h=6 m=8
